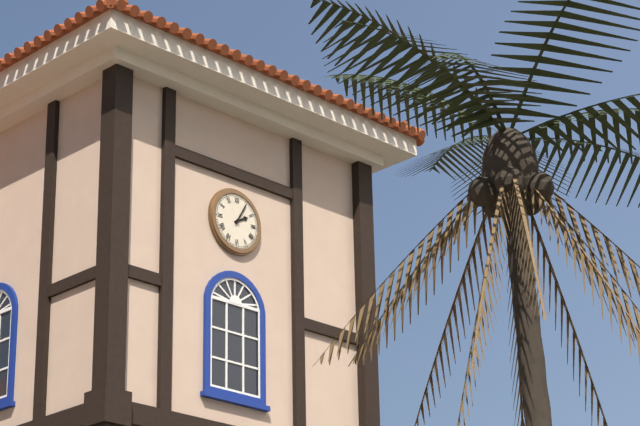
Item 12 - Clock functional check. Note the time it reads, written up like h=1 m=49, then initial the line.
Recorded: h=2 m=5
